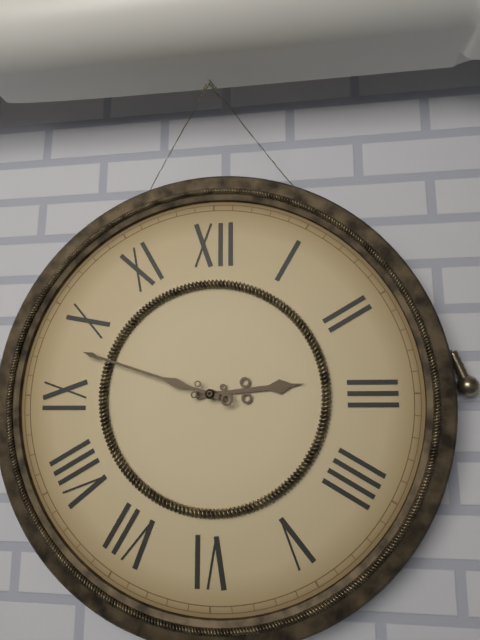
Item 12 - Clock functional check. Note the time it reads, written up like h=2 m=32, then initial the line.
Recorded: h=2 m=48
